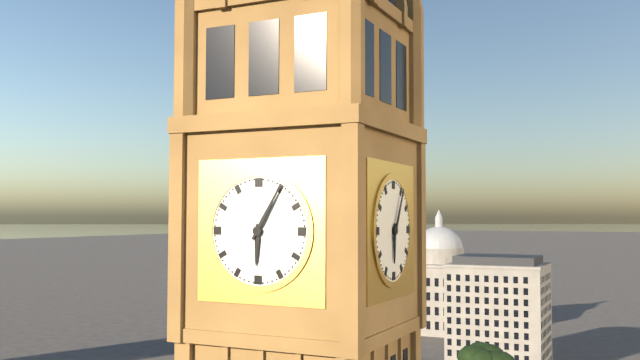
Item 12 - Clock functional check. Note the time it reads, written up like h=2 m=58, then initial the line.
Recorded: h=6 m=5
